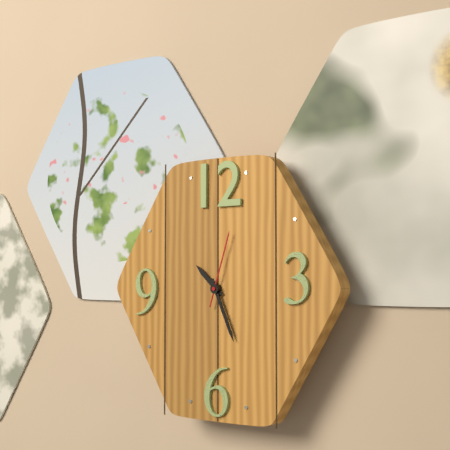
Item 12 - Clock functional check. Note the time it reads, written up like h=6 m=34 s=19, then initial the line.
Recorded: h=10 m=26 s=3
